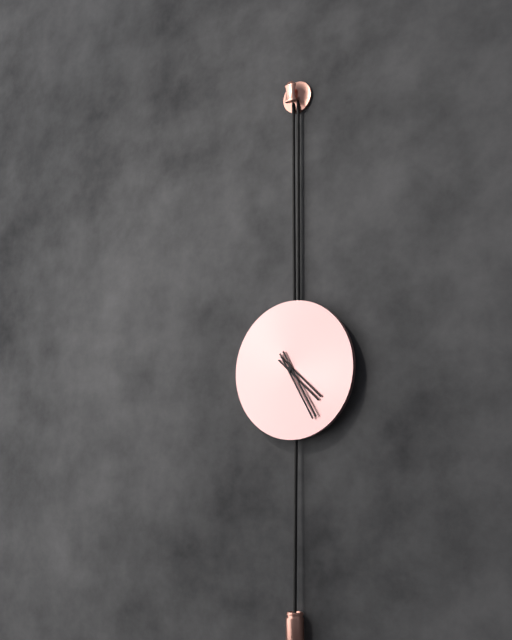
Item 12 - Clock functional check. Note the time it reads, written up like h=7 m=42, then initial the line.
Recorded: h=4 m=25
